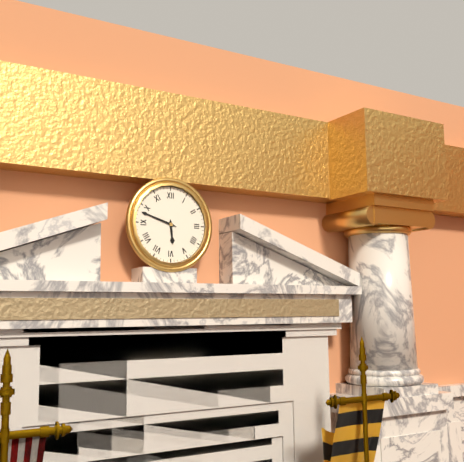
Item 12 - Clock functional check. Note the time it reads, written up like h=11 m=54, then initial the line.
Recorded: h=5 m=48
